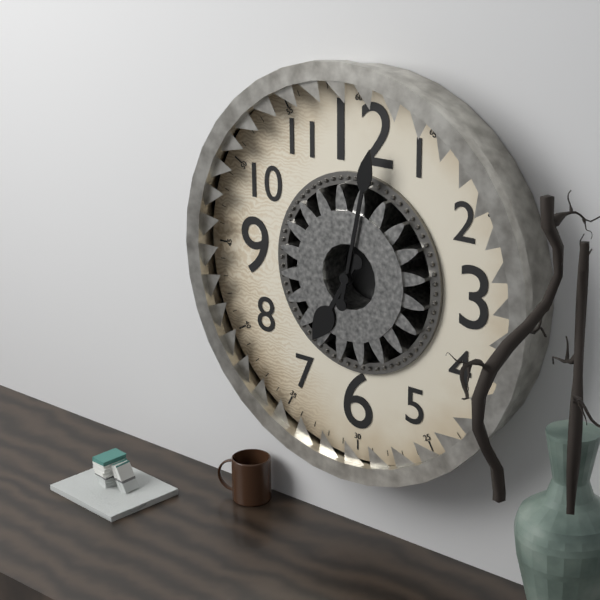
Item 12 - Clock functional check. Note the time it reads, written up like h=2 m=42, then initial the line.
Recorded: h=7 m=2
